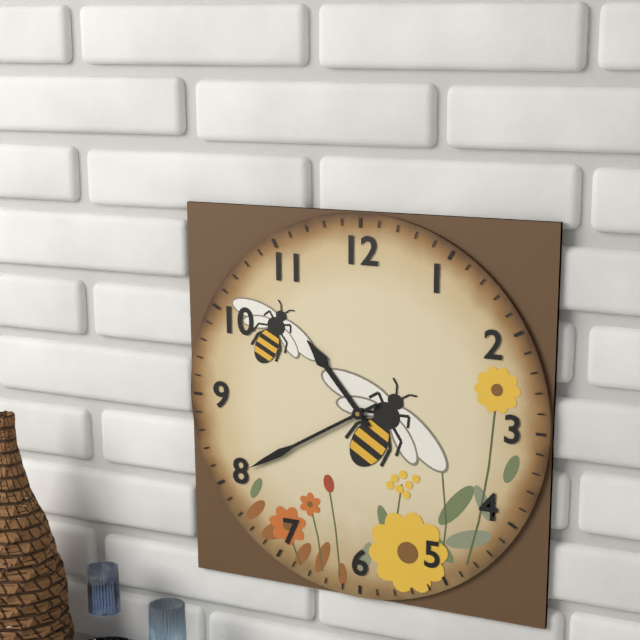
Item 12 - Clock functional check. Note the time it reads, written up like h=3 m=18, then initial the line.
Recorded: h=10 m=40
